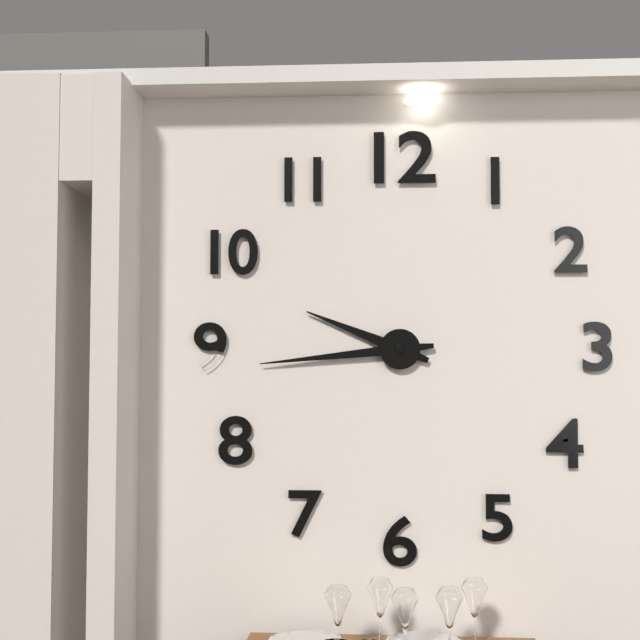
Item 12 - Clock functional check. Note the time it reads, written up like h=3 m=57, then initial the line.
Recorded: h=9 m=44
